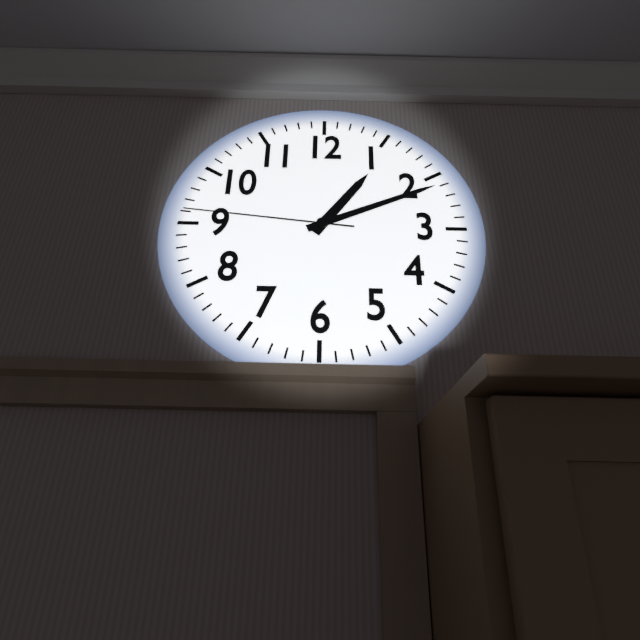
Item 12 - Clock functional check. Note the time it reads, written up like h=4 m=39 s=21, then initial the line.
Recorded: h=1 m=11 s=46
